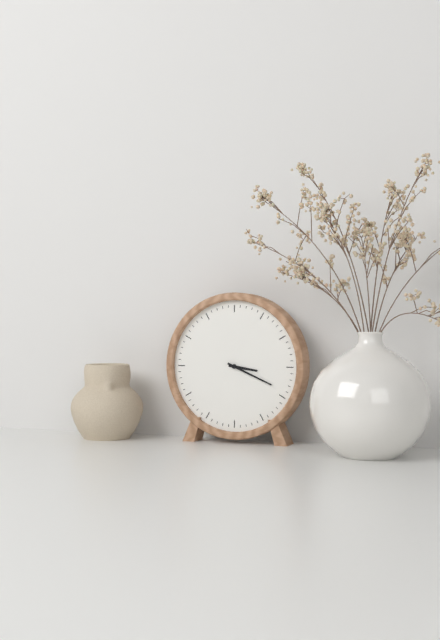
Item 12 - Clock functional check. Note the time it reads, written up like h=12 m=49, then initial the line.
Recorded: h=3 m=19
